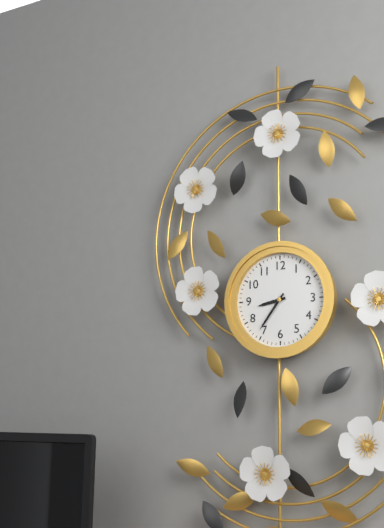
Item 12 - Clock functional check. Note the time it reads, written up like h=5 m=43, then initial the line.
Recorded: h=8 m=36
